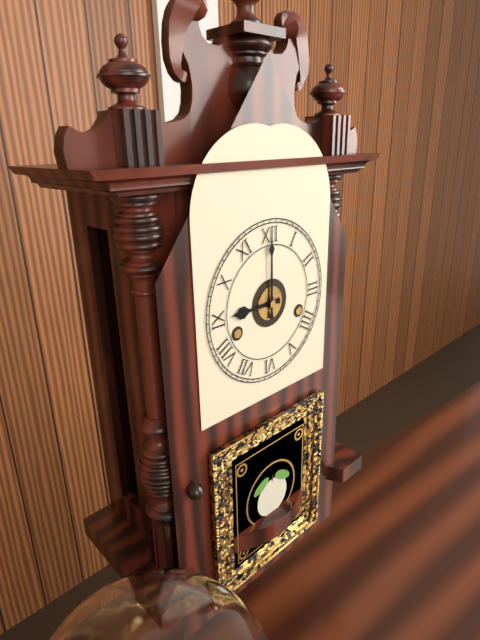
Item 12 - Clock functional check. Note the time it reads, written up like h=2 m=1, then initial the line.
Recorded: h=9 m=0
